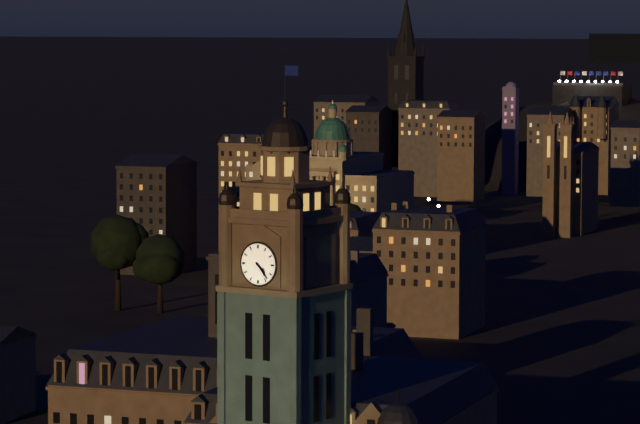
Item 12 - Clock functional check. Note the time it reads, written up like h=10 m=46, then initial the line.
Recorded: h=4 m=23
